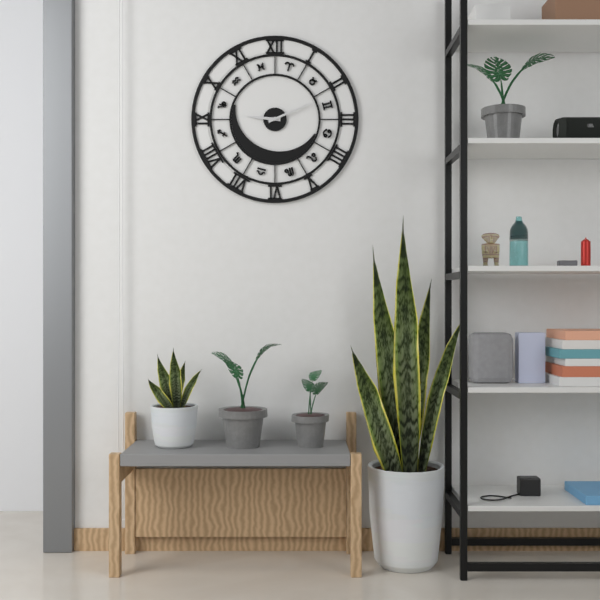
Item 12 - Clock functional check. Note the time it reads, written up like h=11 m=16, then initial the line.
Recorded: h=9 m=11
